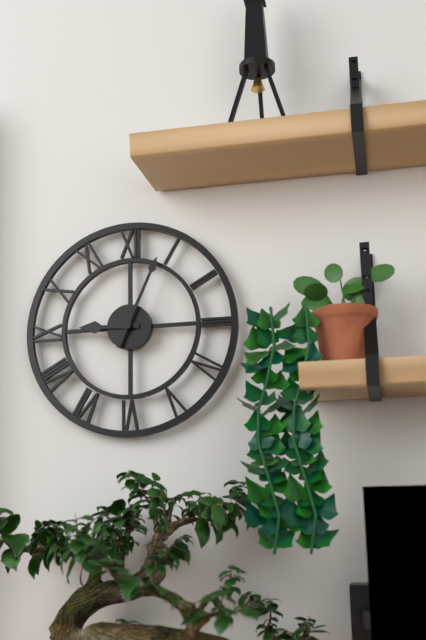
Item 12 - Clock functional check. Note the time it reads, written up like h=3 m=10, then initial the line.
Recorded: h=9 m=4
